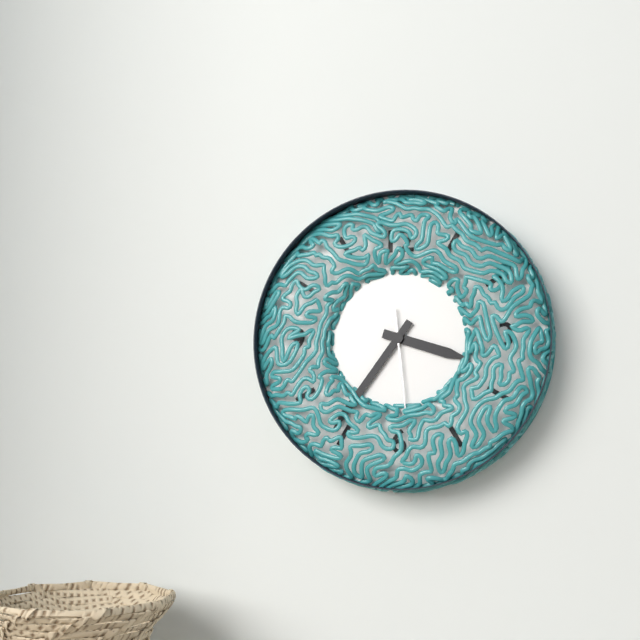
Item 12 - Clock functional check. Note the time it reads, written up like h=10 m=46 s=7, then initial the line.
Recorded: h=3 m=36 s=29
